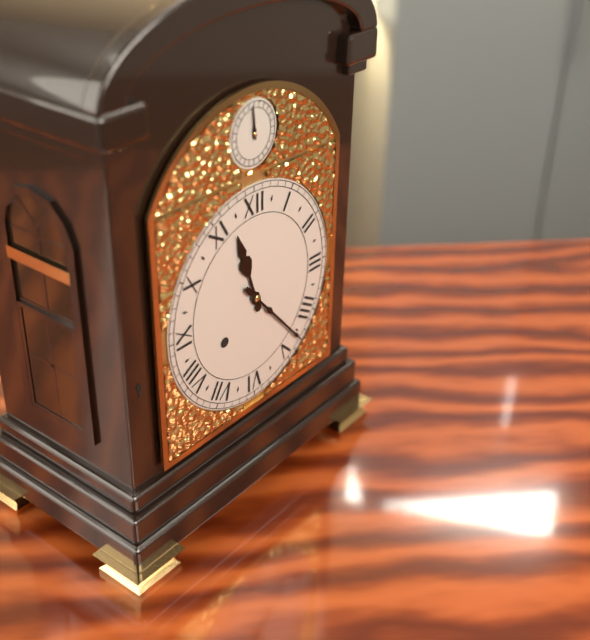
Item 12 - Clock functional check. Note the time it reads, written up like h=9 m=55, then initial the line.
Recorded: h=11 m=23
